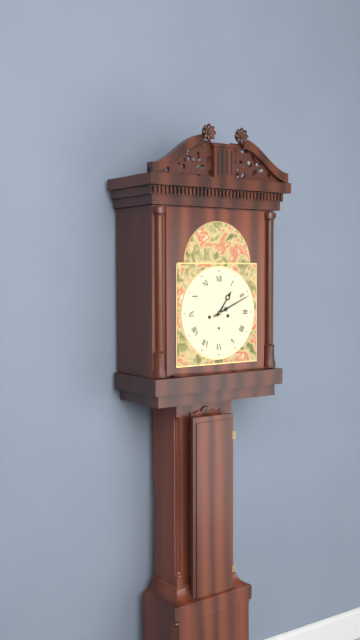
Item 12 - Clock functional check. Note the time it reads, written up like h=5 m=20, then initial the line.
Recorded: h=1 m=11
